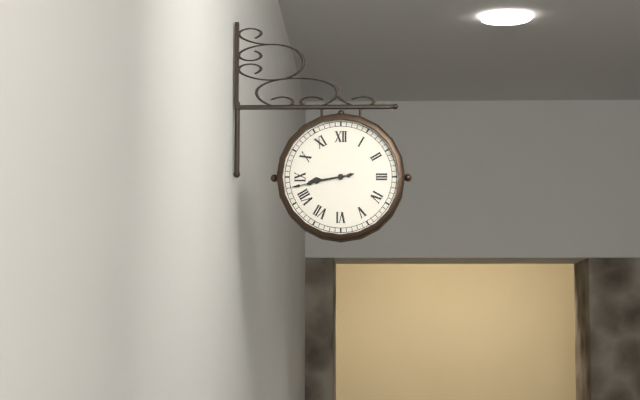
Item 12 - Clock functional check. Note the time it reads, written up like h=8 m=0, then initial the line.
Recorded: h=8 m=43
